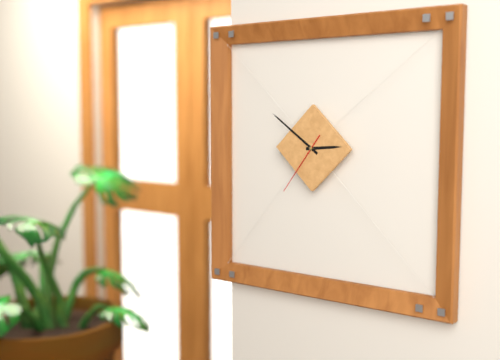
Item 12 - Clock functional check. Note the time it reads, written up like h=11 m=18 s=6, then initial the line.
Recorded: h=2 m=51 s=36
